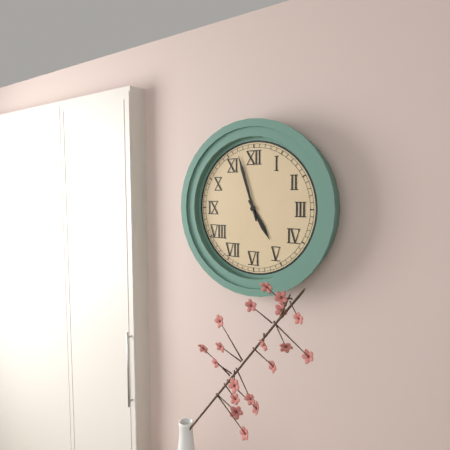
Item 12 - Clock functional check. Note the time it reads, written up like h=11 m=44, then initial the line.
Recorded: h=4 m=57
